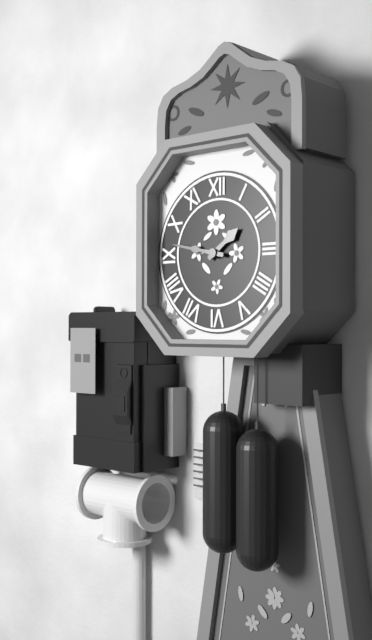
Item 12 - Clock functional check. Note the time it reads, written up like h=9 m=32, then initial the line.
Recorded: h=1 m=47
